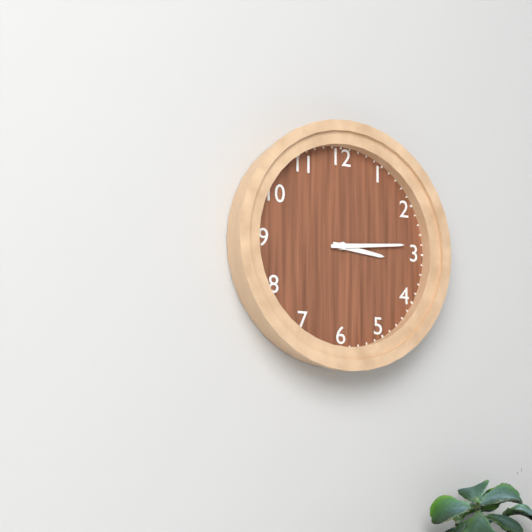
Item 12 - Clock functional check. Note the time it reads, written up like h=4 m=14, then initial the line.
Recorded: h=3 m=14
